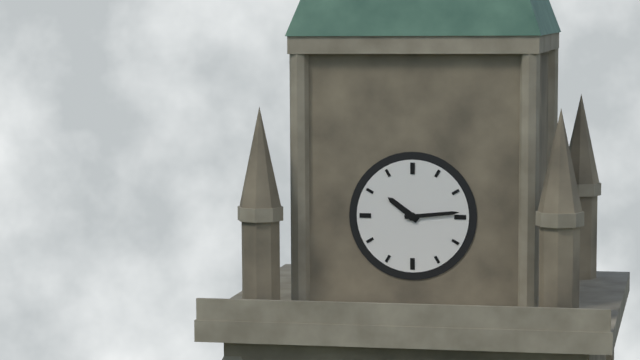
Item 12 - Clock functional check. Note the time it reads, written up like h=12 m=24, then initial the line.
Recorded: h=10 m=14
